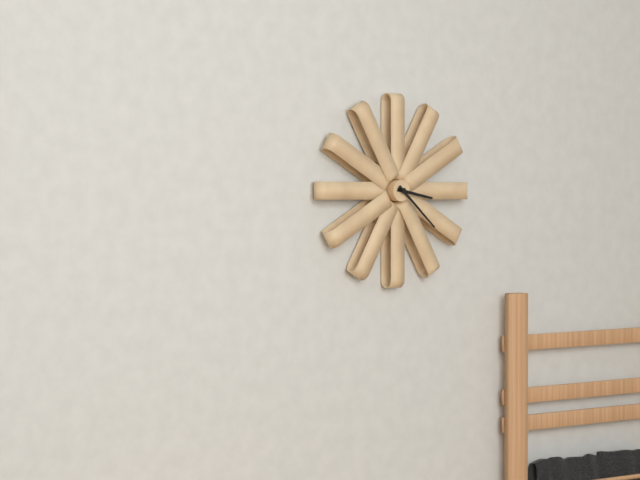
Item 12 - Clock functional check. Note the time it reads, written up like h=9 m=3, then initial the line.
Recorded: h=3 m=22
